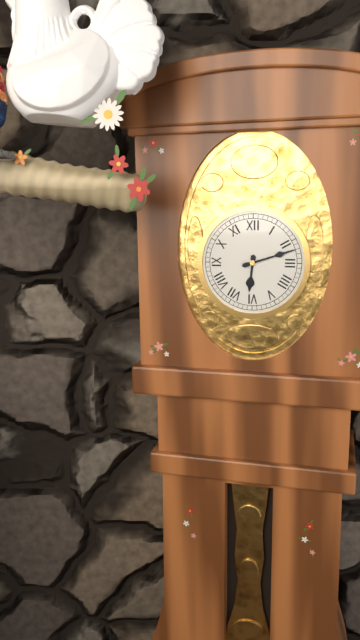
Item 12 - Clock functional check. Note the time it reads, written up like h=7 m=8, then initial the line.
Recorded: h=6 m=12
